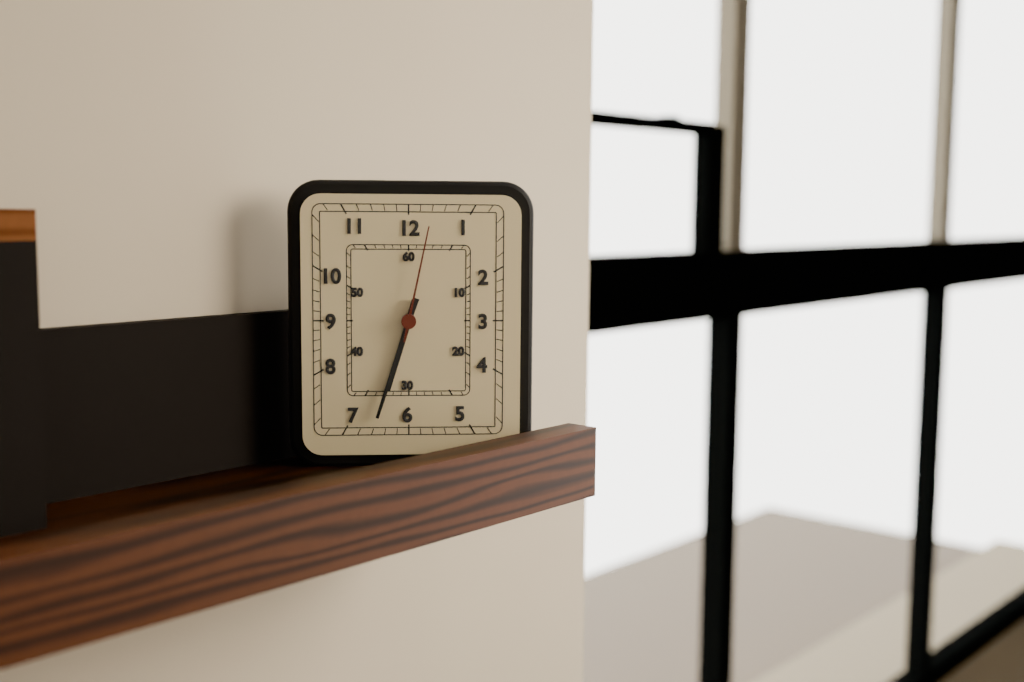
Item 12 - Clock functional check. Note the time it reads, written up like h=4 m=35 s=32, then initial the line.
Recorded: h=6 m=33 s=2
